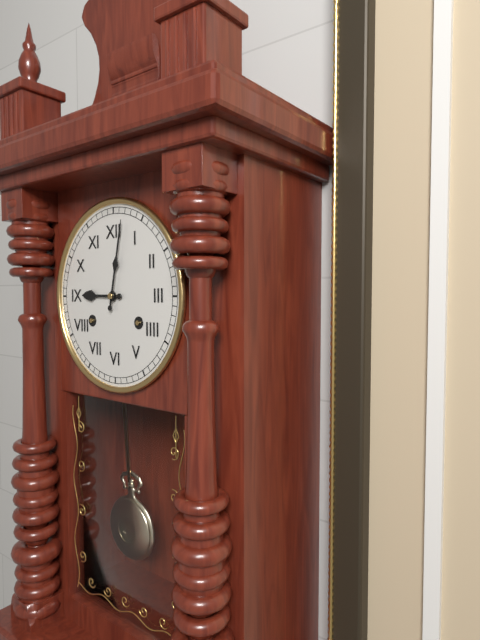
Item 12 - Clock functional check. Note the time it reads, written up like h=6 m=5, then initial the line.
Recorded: h=9 m=2
